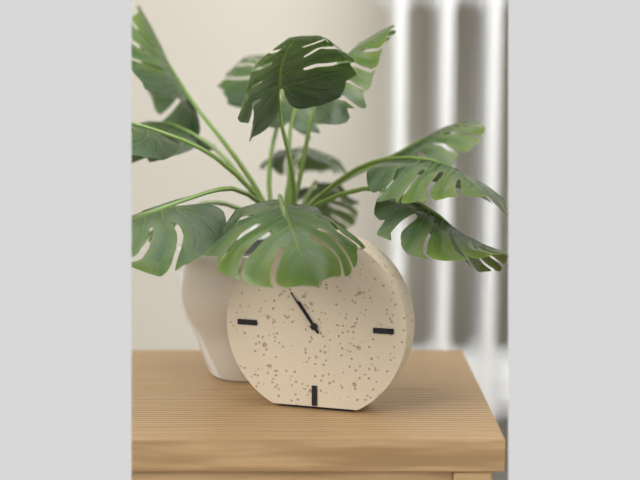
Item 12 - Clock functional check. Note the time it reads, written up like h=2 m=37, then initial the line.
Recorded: h=10 m=54
